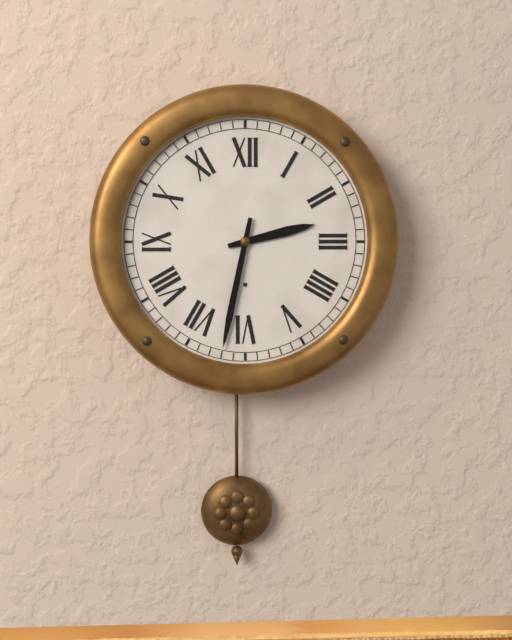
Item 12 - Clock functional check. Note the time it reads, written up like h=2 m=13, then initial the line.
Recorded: h=2 m=32
